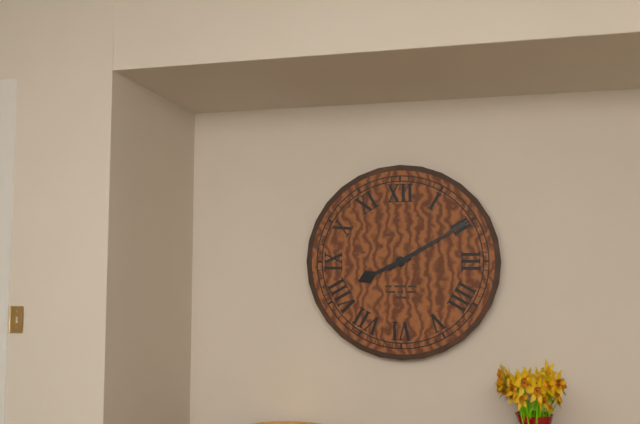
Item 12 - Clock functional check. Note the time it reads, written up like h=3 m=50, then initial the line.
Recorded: h=8 m=10
